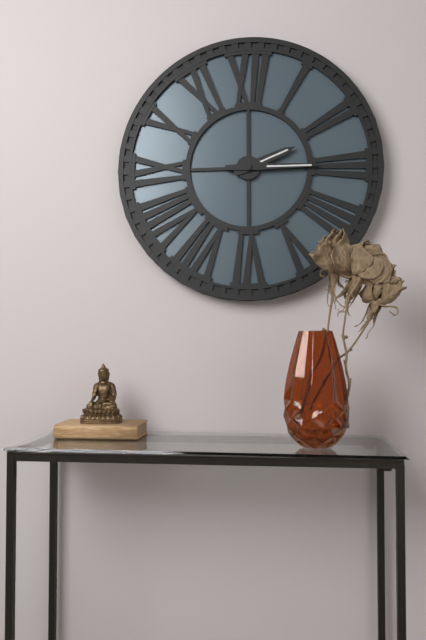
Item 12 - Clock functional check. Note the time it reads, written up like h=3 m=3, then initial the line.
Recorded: h=2 m=15
